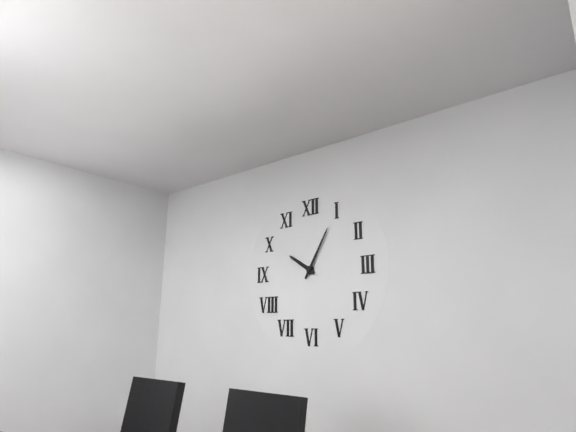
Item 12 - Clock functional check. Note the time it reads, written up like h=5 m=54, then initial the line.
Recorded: h=10 m=5
